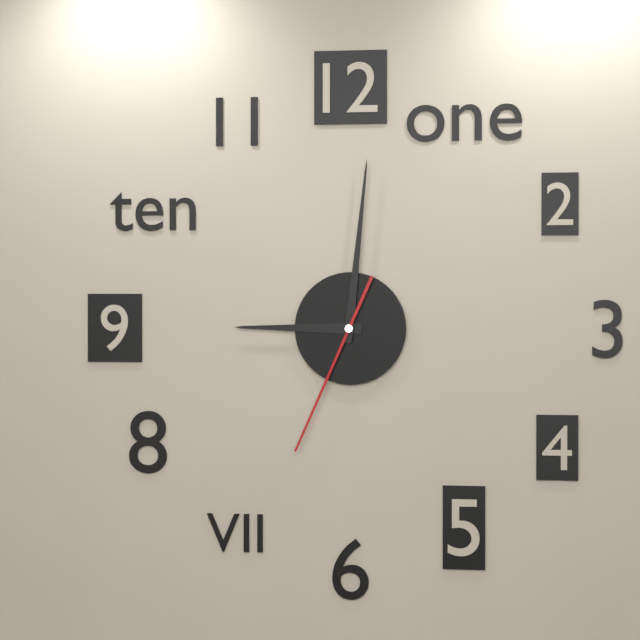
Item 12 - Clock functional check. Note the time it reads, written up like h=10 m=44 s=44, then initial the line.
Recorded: h=9 m=1 s=34
